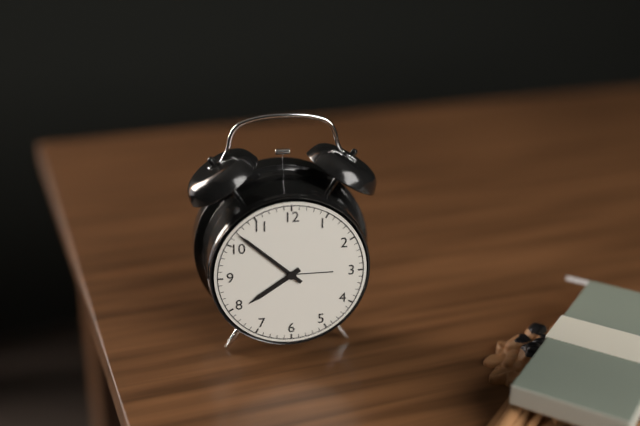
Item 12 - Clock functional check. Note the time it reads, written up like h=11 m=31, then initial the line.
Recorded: h=7 m=52
